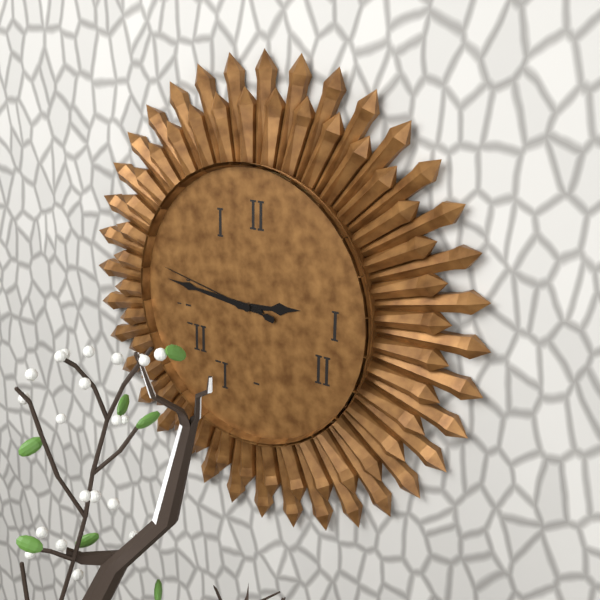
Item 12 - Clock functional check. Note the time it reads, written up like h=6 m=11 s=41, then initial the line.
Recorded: h=2 m=46 s=47
